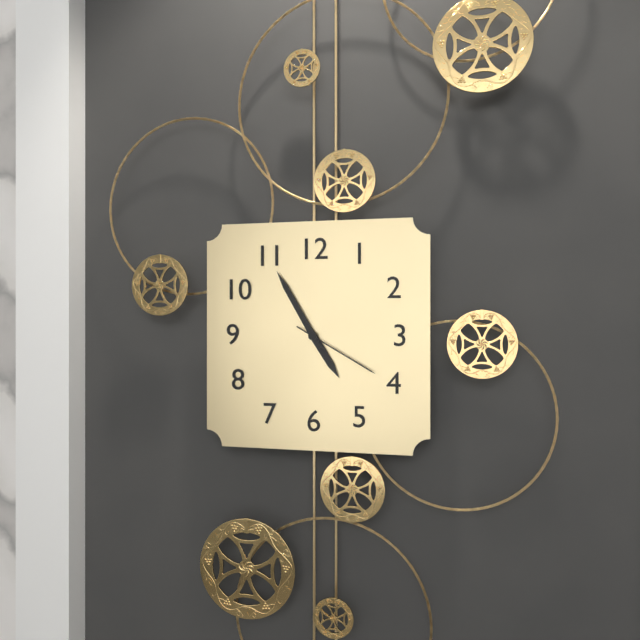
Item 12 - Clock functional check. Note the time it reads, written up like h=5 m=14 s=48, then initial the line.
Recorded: h=4 m=55 s=20
